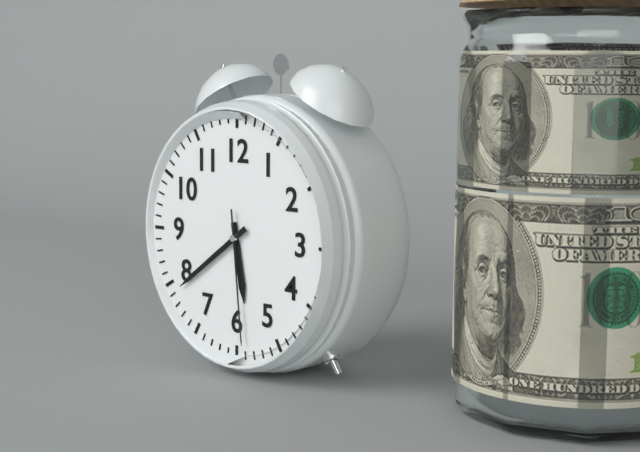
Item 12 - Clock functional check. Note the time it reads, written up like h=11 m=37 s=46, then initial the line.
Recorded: h=5 m=39 s=29
